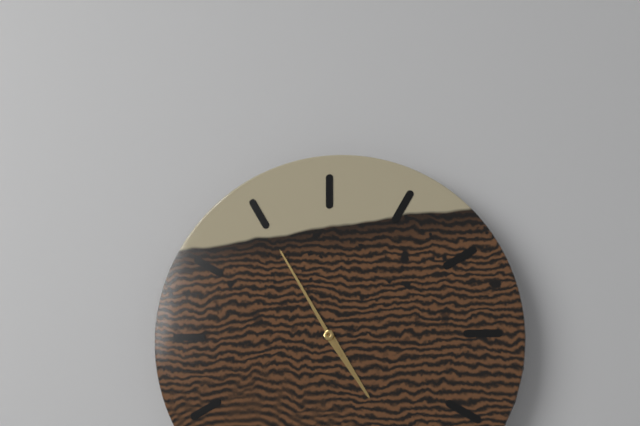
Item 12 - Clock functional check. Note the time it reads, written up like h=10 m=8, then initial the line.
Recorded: h=4 m=55
